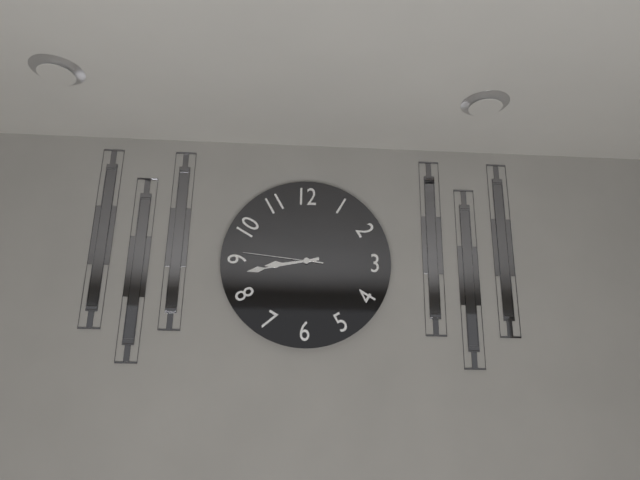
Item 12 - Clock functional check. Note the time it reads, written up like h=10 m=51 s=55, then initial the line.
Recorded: h=8 m=43 s=46
